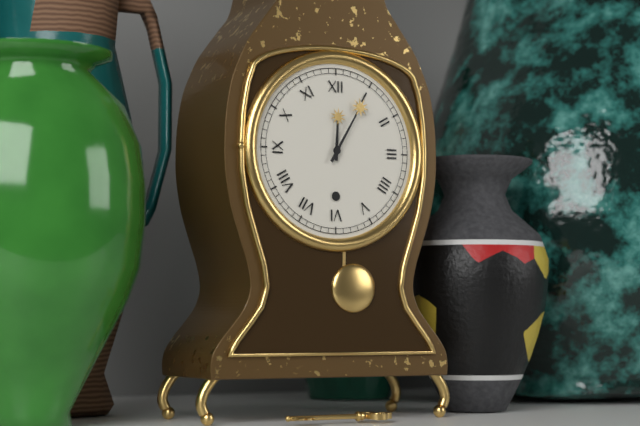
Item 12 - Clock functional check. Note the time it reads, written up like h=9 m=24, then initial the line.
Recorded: h=12 m=5
